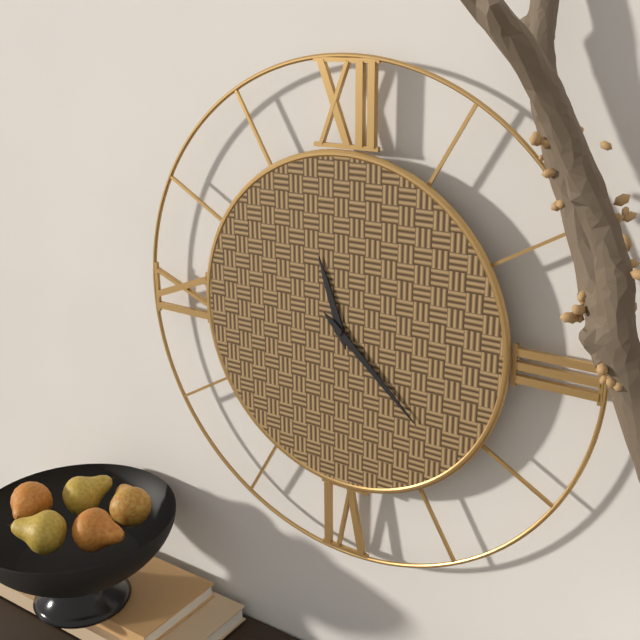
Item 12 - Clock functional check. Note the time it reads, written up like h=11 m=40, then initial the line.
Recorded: h=11 m=22
